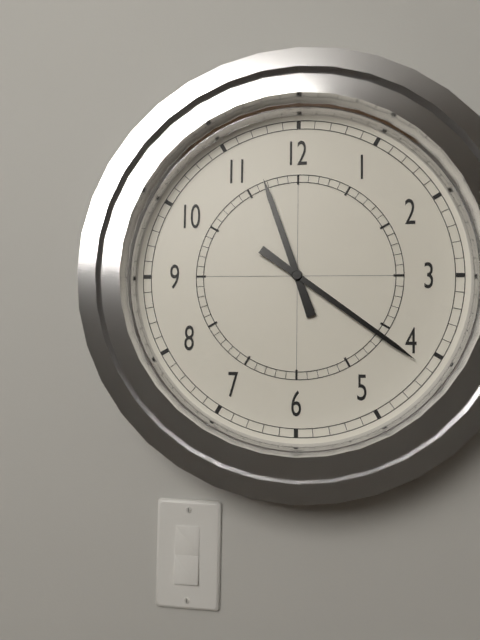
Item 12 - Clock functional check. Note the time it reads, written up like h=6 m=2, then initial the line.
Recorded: h=11 m=21
